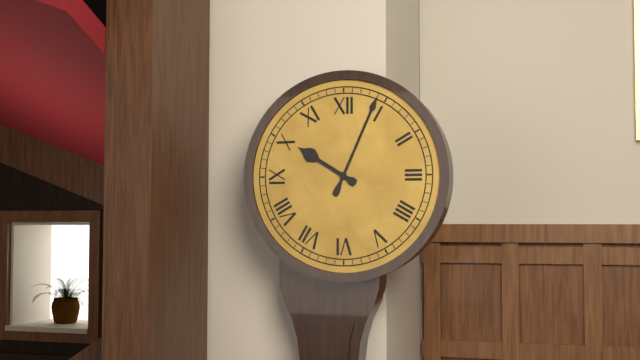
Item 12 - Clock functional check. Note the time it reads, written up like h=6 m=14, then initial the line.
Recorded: h=10 m=4
